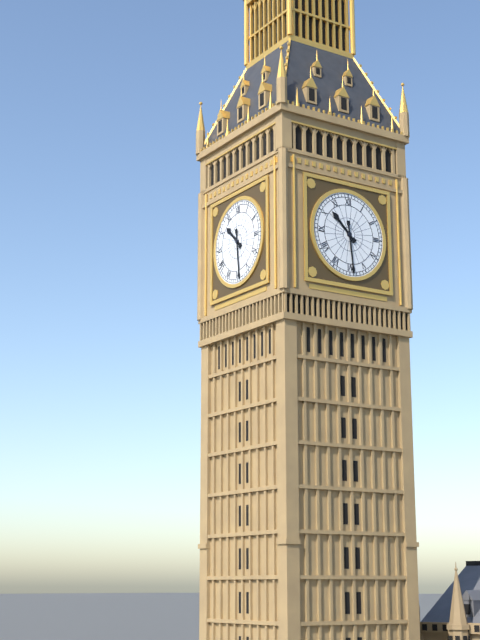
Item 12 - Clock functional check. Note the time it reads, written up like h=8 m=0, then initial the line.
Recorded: h=10 m=29
